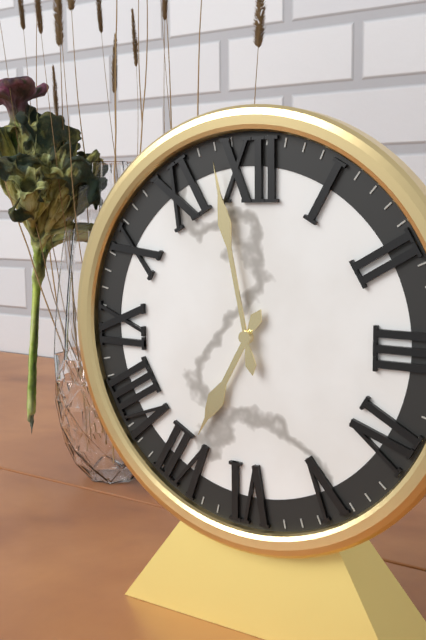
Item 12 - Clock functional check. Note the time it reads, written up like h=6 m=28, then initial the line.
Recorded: h=6 m=58
